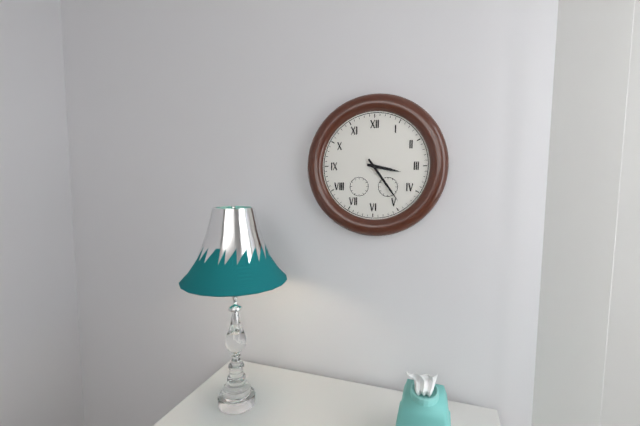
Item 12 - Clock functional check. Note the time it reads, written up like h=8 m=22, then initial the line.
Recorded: h=3 m=24
